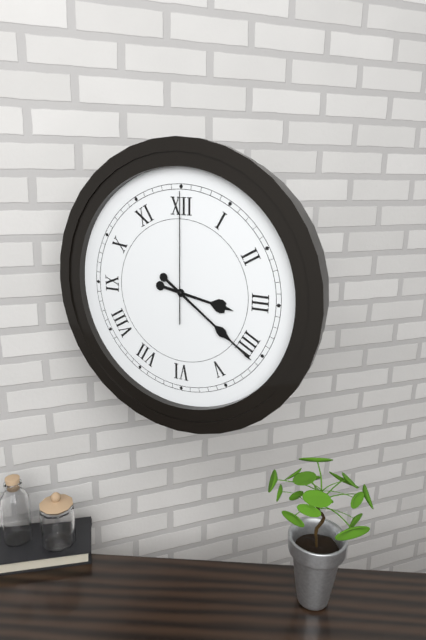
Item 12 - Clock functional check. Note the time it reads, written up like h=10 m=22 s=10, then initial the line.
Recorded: h=3 m=21 s=0
